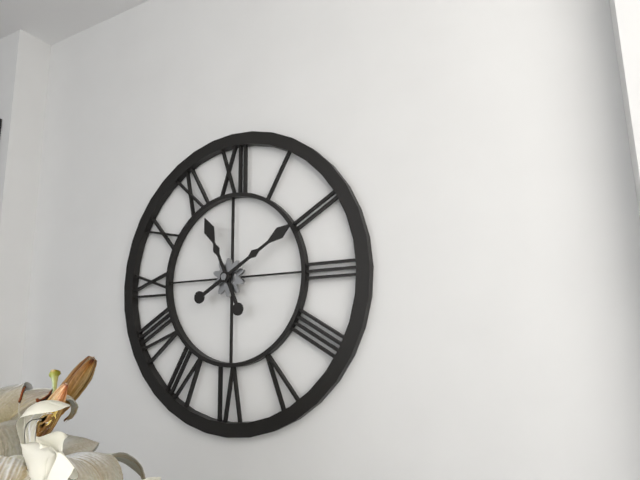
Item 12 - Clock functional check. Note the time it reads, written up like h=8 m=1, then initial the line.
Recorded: h=11 m=10
